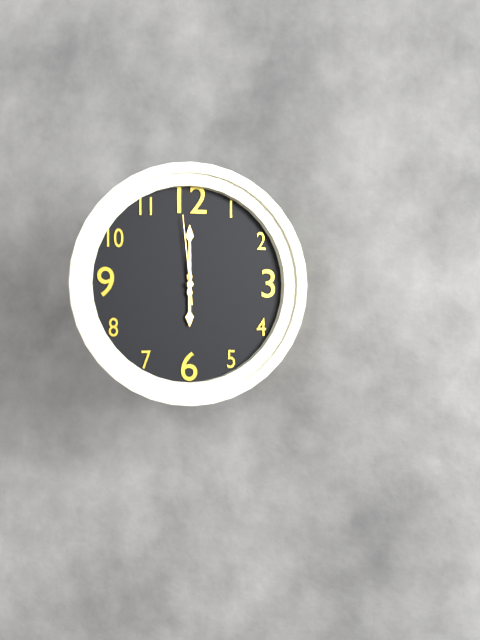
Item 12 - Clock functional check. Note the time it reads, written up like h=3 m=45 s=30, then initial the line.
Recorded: h=6 m=0 s=59
